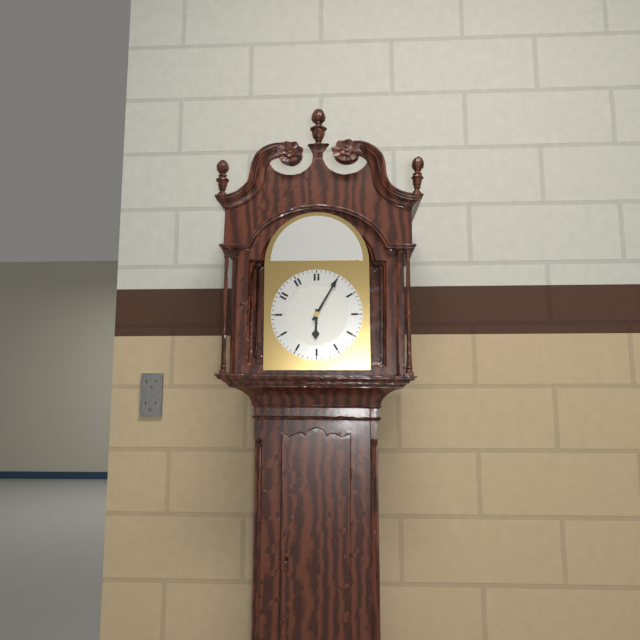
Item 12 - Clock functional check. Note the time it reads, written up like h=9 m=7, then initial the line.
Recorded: h=6 m=5
